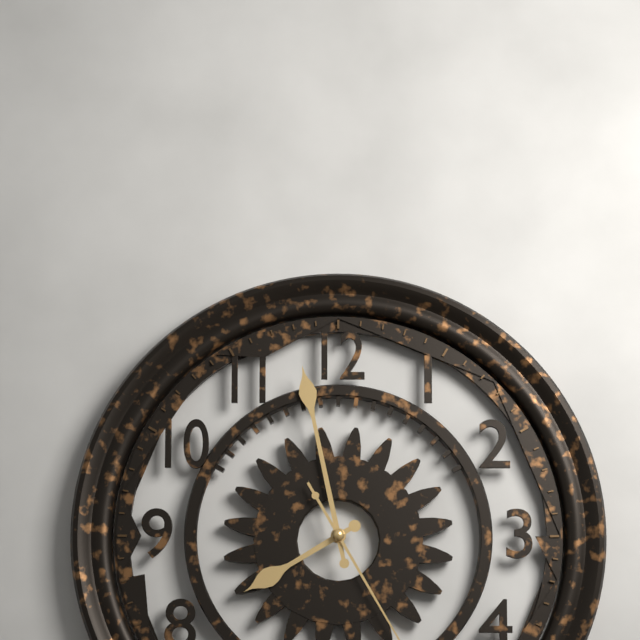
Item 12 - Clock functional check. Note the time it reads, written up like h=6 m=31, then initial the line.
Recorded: h=7 m=58
